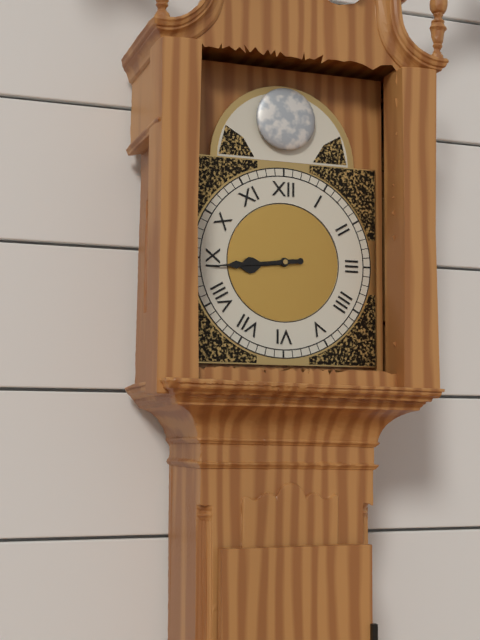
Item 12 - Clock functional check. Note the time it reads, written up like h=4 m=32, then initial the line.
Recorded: h=8 m=44
